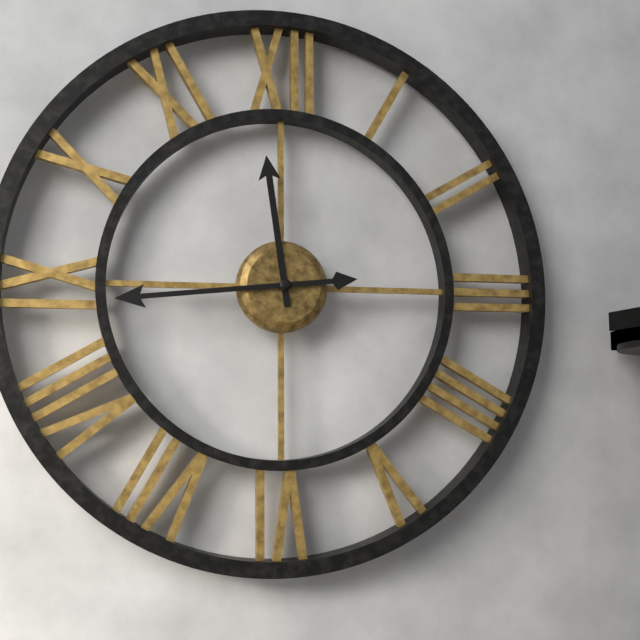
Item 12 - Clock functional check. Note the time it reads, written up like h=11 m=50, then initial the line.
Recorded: h=11 m=44
